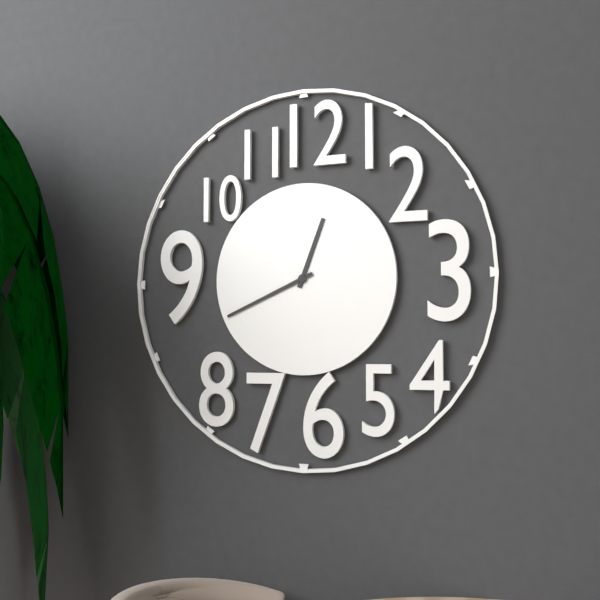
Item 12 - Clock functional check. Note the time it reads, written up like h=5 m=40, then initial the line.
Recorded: h=12 m=41
